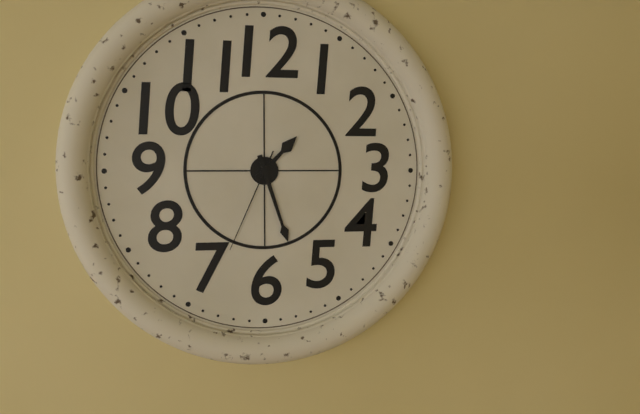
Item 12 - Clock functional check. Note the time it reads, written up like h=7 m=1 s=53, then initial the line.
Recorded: h=1 m=27 s=34
